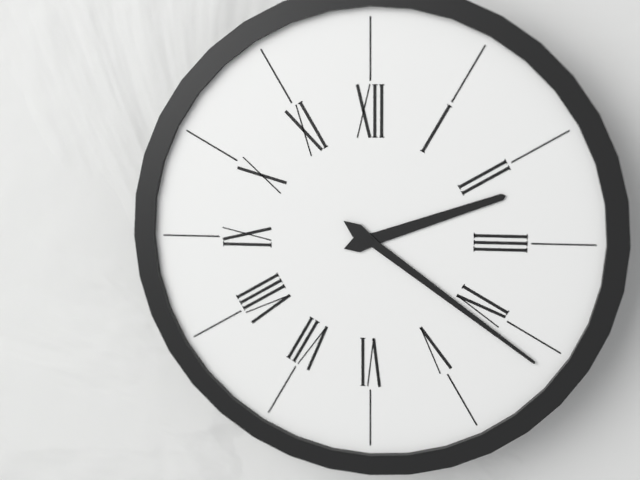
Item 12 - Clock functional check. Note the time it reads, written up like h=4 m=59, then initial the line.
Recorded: h=2 m=21
